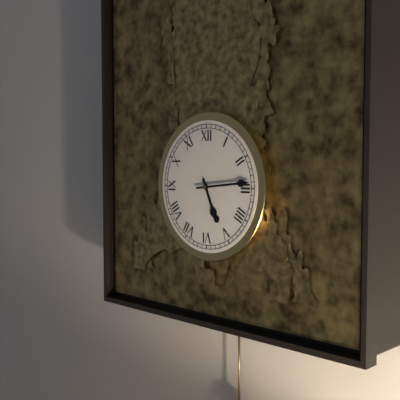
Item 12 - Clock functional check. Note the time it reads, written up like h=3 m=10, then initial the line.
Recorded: h=5 m=14
